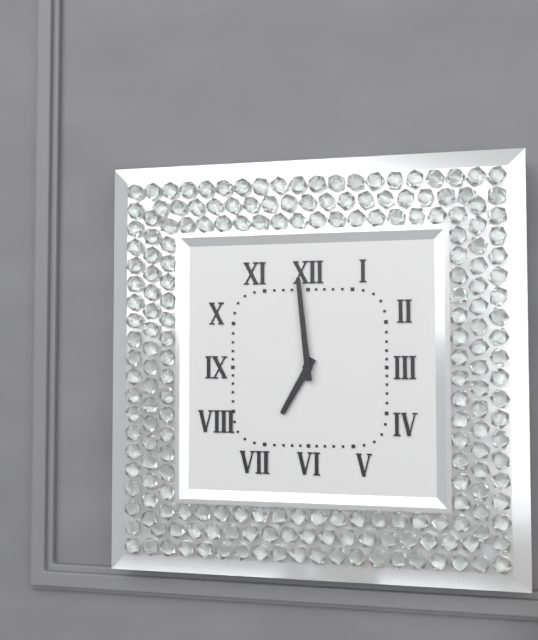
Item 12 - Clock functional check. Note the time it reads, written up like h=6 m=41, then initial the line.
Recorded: h=6 m=59
